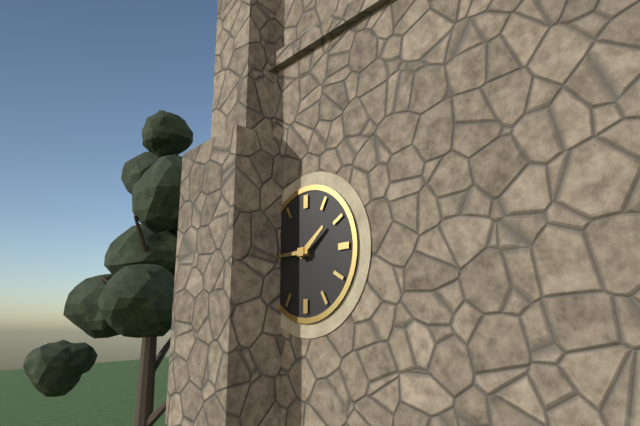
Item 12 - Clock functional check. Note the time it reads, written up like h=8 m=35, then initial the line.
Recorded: h=1 m=45
